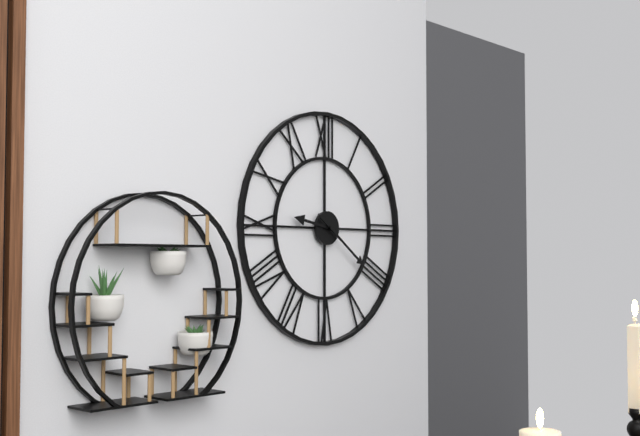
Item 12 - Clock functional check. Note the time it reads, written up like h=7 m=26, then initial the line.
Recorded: h=9 m=21
